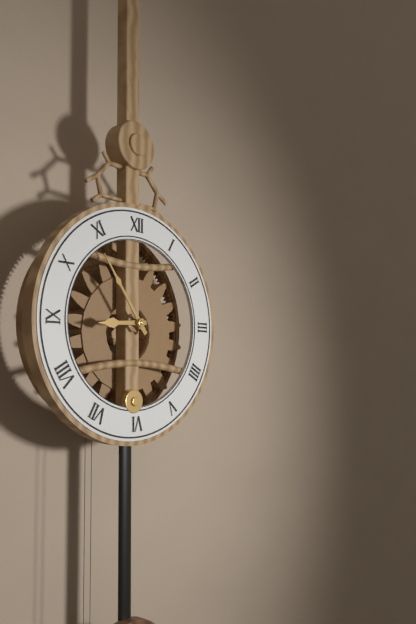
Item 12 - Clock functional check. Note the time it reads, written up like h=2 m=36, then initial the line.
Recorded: h=8 m=54
